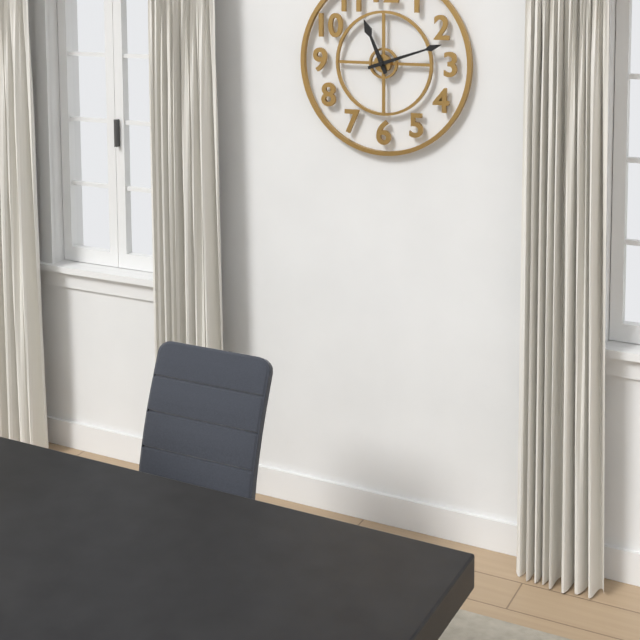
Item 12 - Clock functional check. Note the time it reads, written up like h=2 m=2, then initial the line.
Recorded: h=11 m=12
